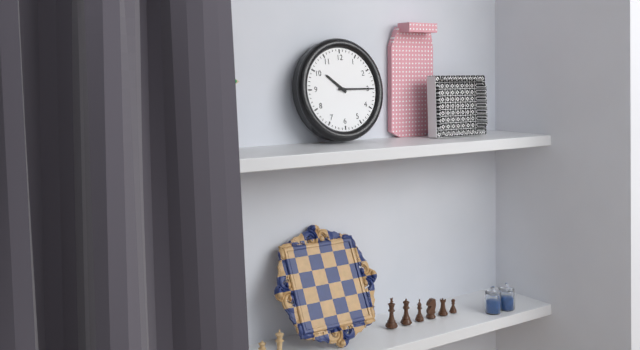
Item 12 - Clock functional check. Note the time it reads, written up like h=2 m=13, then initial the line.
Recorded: h=10 m=15
